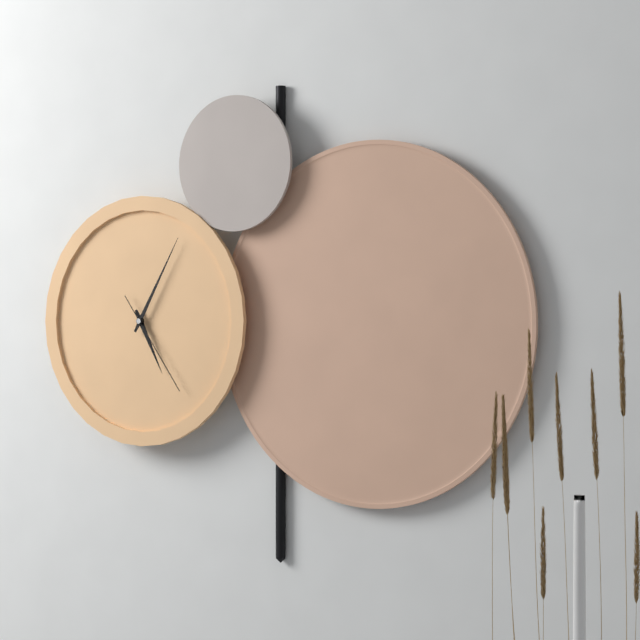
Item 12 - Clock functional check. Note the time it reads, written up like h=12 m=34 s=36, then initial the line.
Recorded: h=5 m=5 s=24
